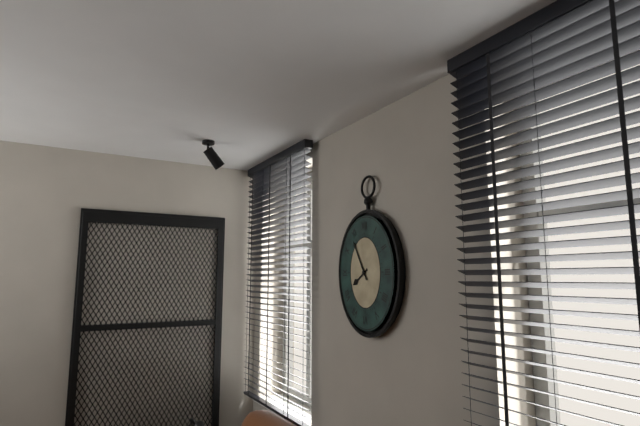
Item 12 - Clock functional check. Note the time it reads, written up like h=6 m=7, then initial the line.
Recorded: h=7 m=55
